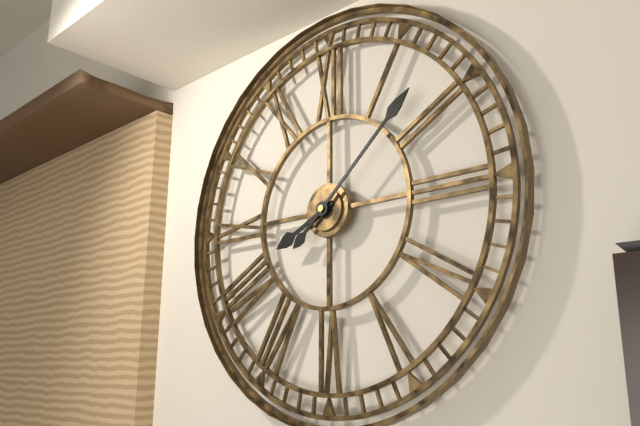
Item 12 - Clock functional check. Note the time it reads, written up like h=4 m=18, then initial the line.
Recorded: h=8 m=8
